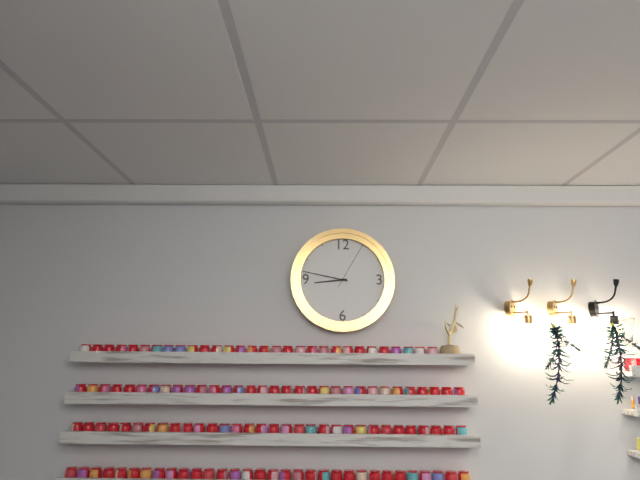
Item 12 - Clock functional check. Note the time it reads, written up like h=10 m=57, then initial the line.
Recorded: h=8 m=47
